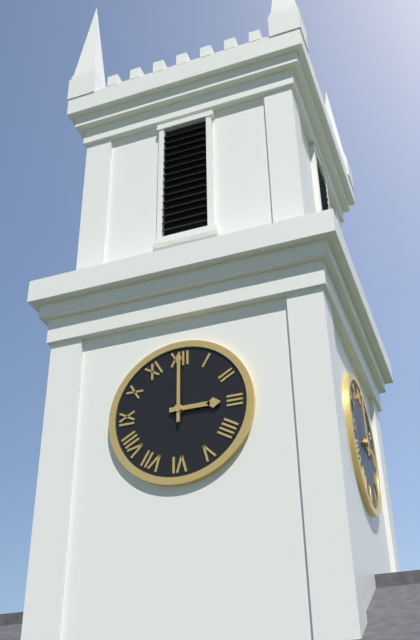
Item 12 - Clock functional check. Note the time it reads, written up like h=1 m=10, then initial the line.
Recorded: h=3 m=0
